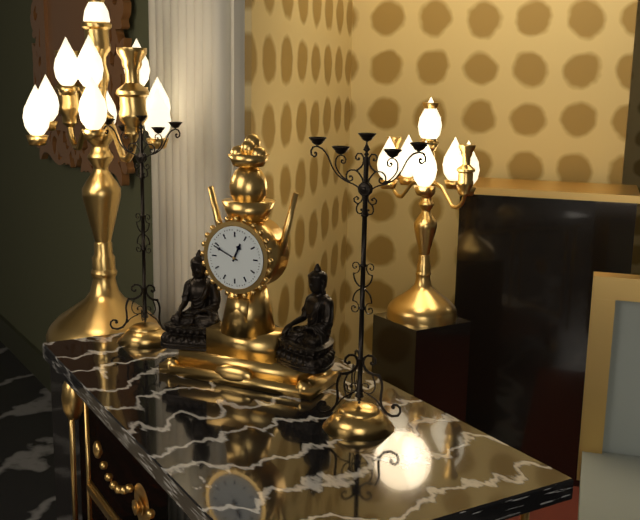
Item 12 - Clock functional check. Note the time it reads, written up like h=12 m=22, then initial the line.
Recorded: h=12 m=49
